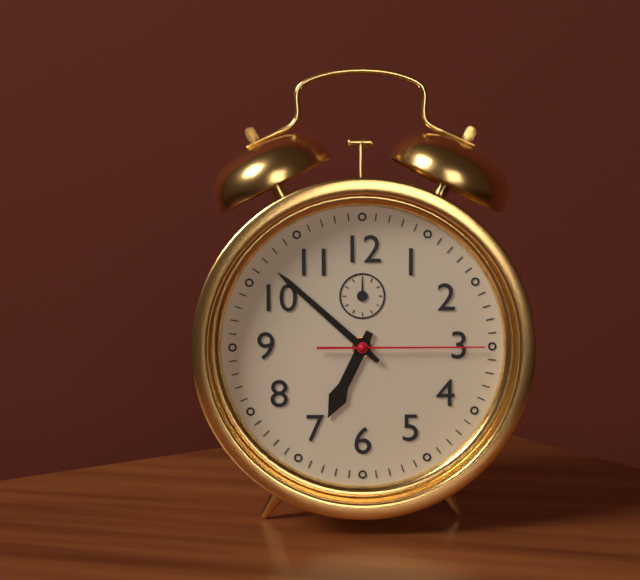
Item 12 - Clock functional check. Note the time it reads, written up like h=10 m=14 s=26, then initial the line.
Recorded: h=6 m=52 s=15
